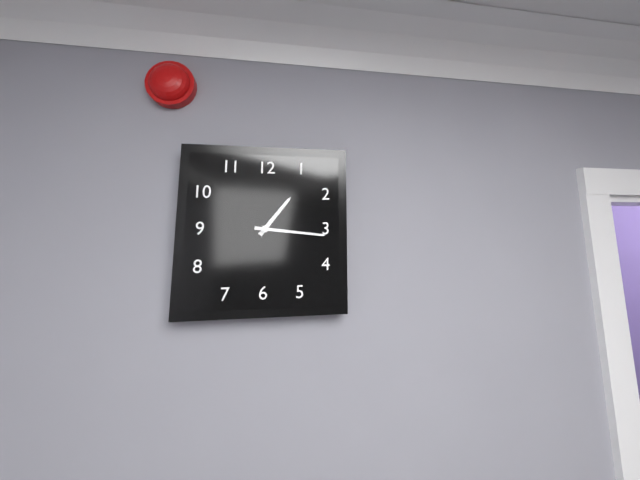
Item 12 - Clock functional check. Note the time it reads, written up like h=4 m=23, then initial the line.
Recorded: h=1 m=16
